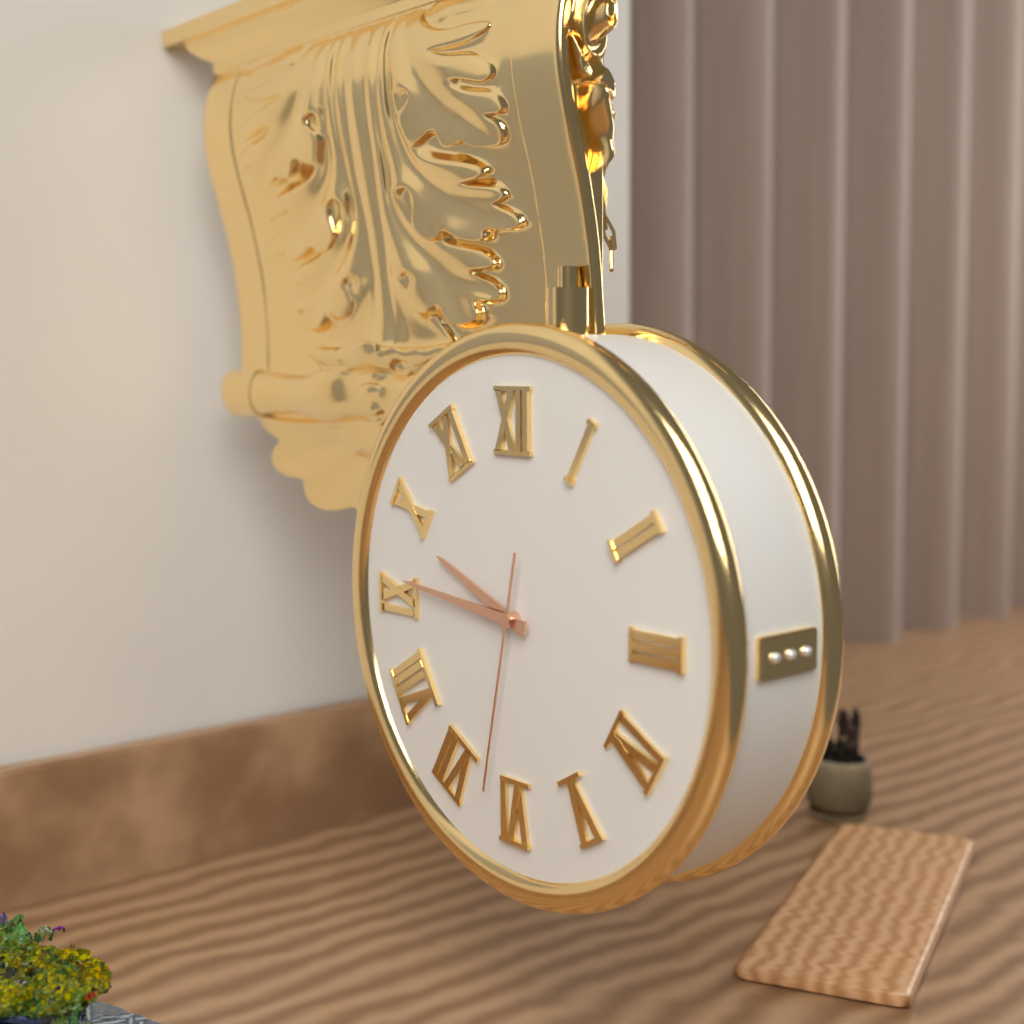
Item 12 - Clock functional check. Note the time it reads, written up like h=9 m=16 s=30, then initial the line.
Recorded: h=9 m=46 s=32
